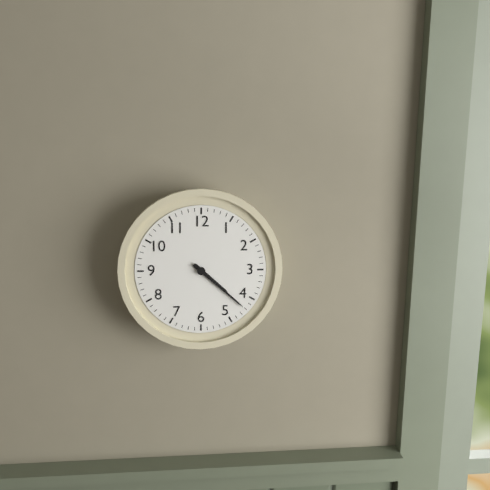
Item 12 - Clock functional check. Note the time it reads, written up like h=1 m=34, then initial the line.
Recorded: h=4 m=22
